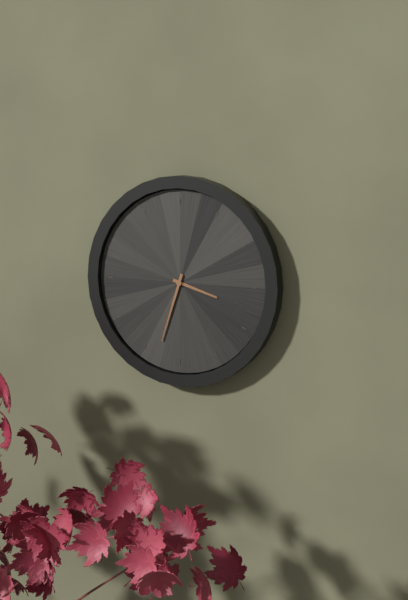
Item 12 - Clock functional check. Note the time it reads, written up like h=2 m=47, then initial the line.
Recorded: h=3 m=33
